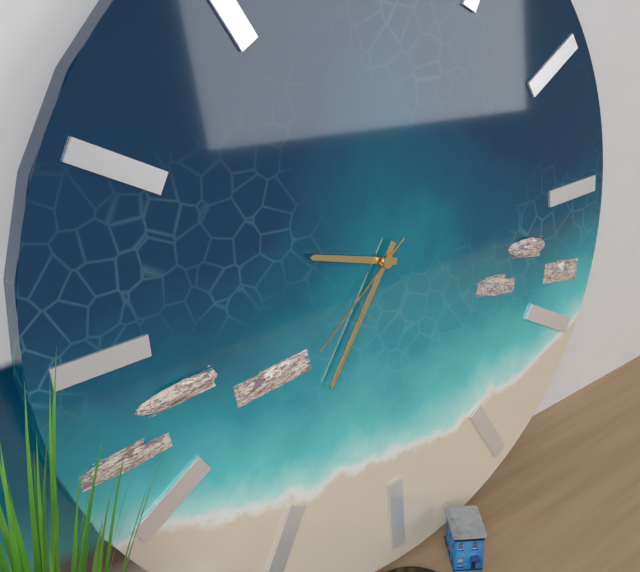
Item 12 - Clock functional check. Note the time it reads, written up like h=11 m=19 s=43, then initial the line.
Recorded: h=9 m=36 s=39
